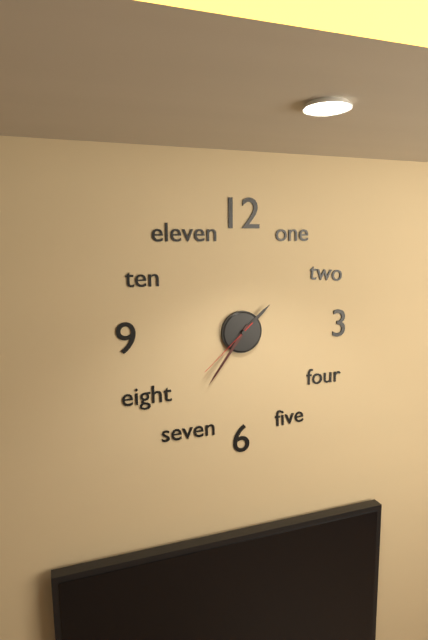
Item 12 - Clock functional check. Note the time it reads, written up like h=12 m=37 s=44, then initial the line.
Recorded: h=1 m=36 s=38
